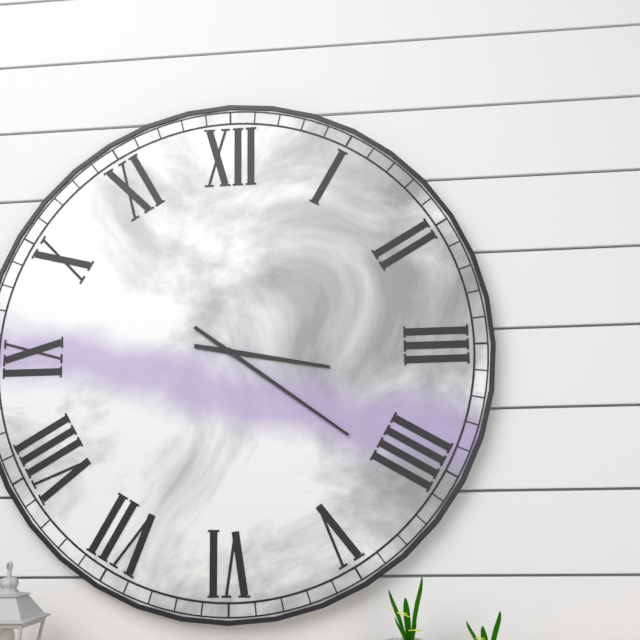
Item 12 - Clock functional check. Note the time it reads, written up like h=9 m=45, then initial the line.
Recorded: h=3 m=21
